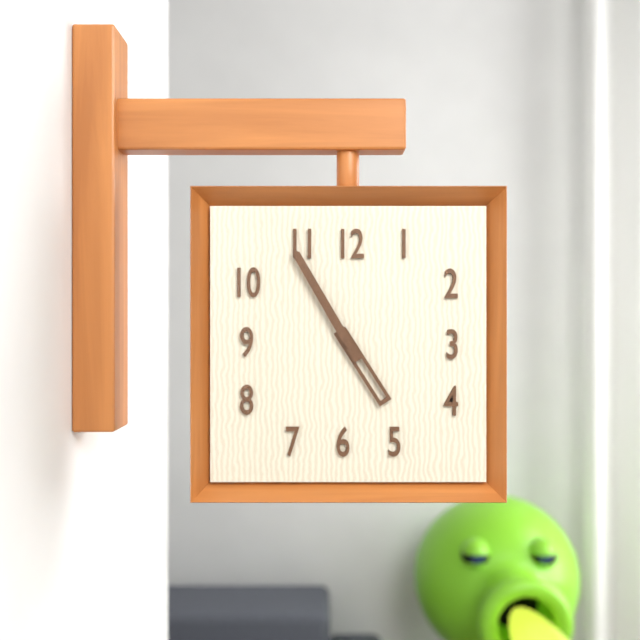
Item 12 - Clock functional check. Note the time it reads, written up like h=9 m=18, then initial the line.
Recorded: h=4 m=55
